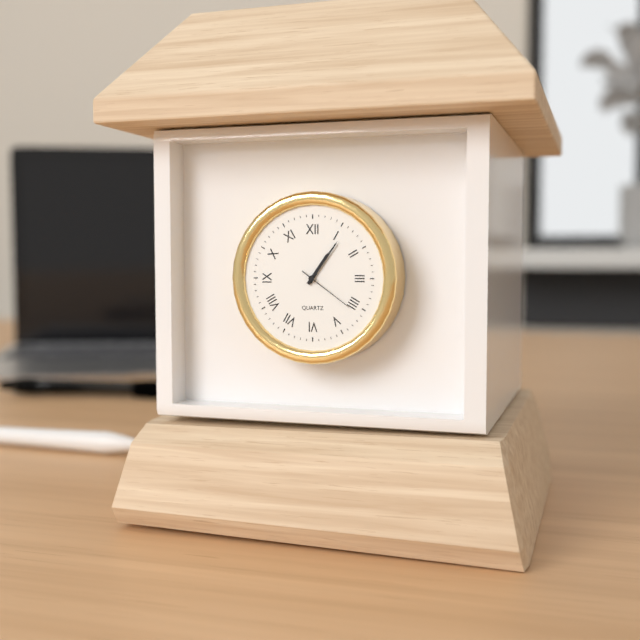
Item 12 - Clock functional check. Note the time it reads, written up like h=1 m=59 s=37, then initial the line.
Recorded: h=1 m=6 s=21
